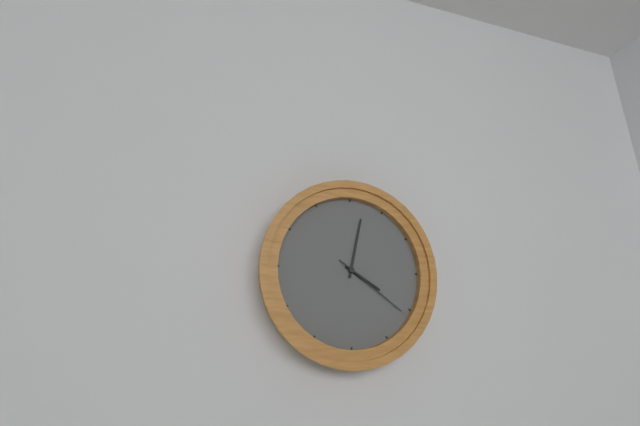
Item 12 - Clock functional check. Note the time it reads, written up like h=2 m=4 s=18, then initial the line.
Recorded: h=4 m=2 s=21
